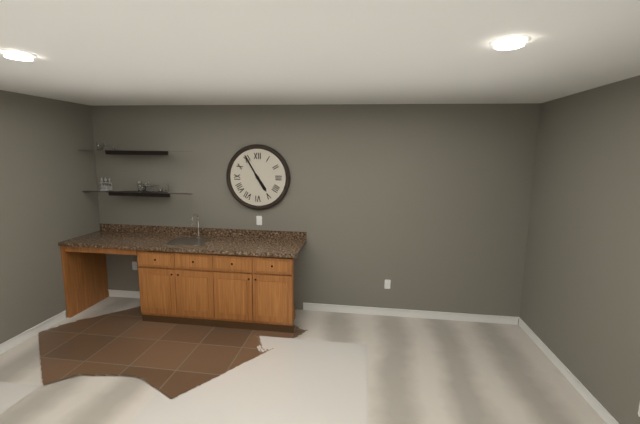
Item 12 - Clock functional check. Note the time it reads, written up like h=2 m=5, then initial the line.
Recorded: h=4 m=55
